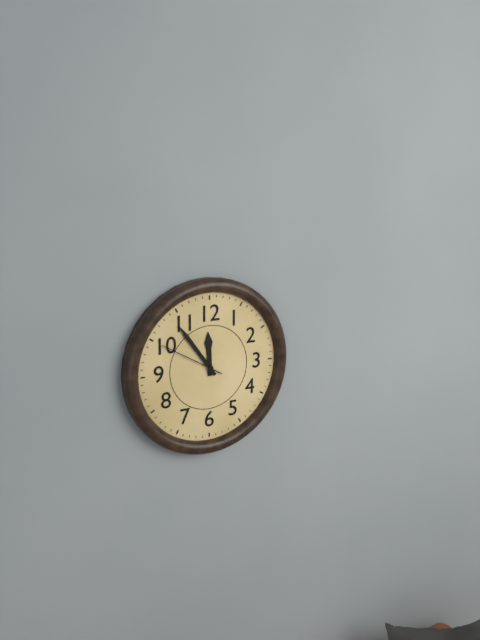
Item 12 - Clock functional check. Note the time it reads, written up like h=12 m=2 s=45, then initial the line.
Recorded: h=11 m=54 s=50
